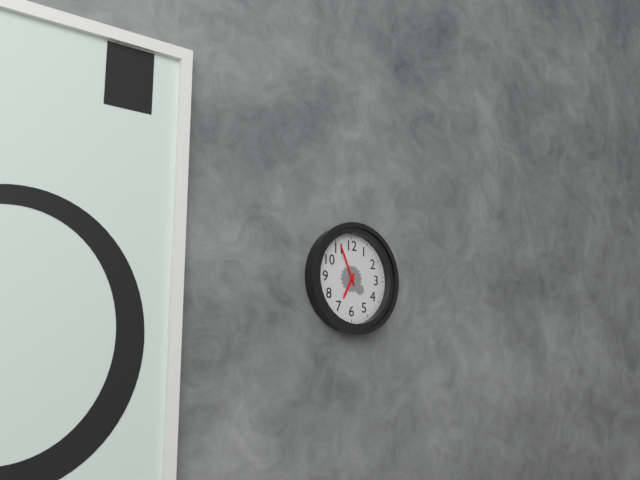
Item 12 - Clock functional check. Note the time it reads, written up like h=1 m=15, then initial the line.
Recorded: h=6 m=56
